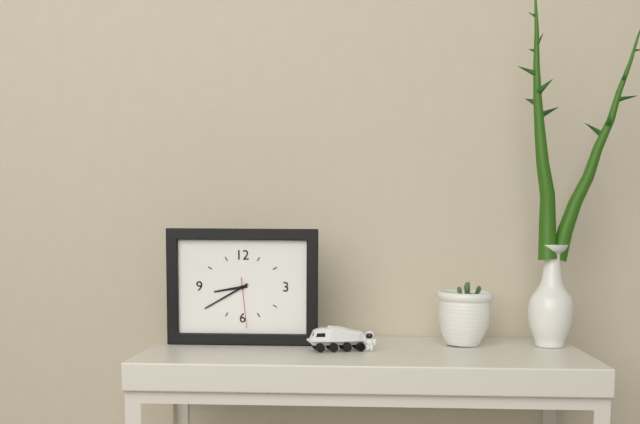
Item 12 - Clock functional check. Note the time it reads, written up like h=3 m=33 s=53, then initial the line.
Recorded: h=8 m=40 s=29
